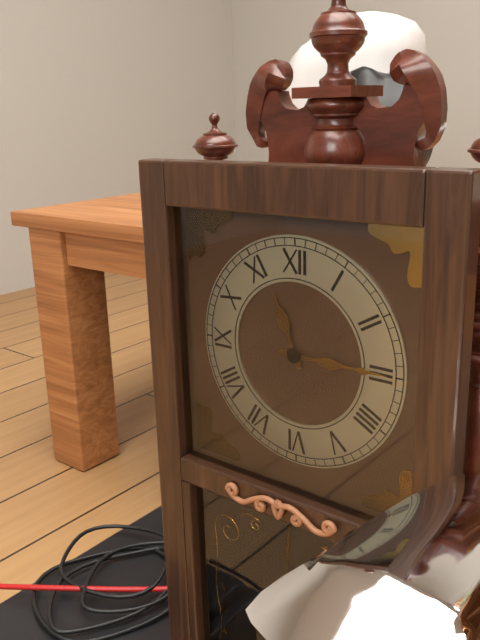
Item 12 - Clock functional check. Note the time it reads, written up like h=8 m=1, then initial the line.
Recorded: h=11 m=15
